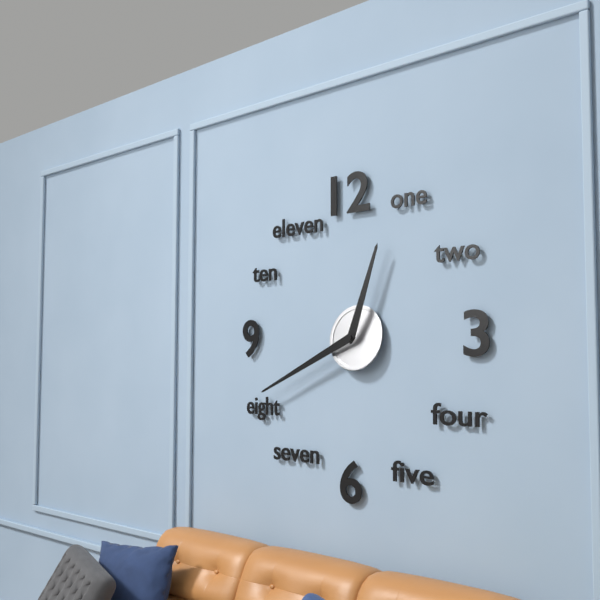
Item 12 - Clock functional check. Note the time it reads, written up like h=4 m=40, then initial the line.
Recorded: h=12 m=41
